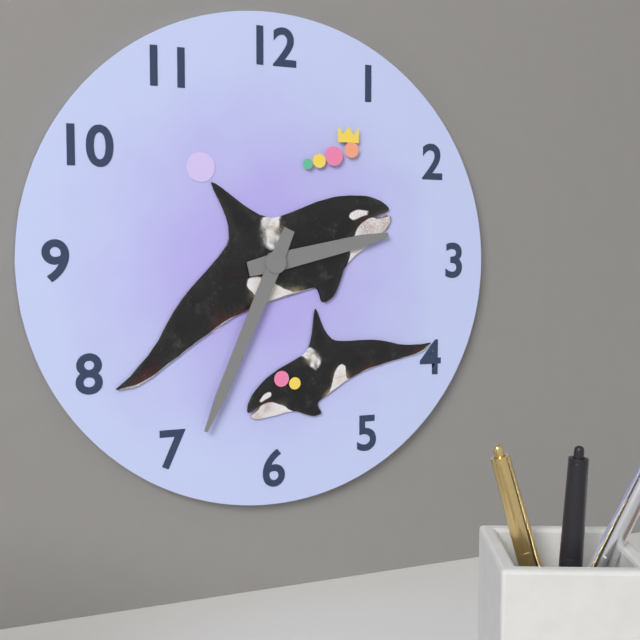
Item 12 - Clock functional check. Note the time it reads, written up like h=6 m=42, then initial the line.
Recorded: h=2 m=34
